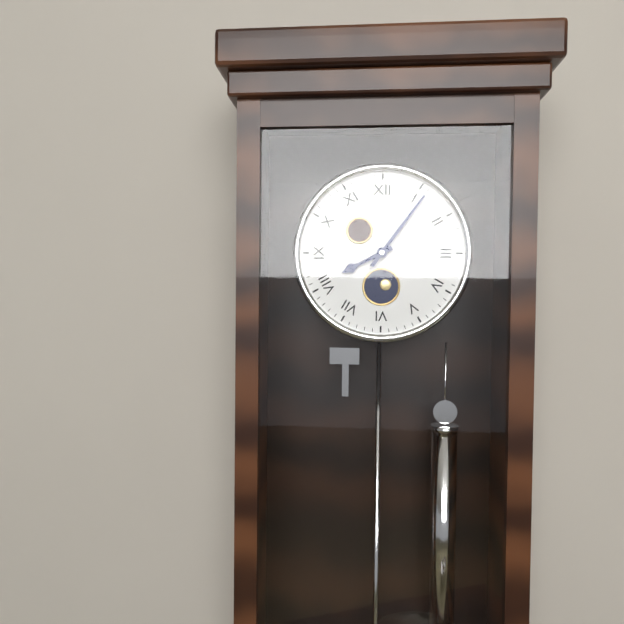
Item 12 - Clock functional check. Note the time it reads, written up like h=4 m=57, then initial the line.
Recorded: h=8 m=6
